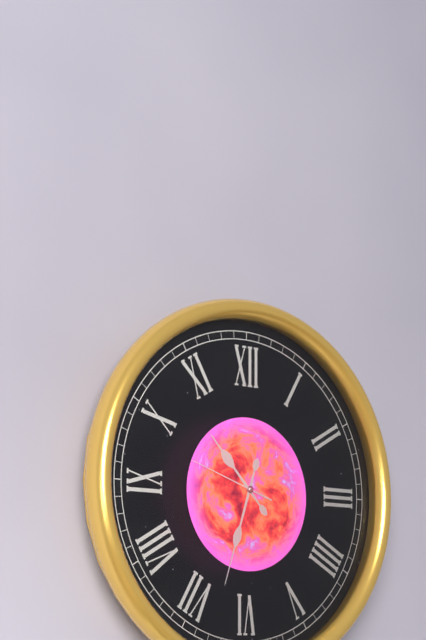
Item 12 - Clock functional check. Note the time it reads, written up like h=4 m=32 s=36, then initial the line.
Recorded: h=10 m=33 s=48
